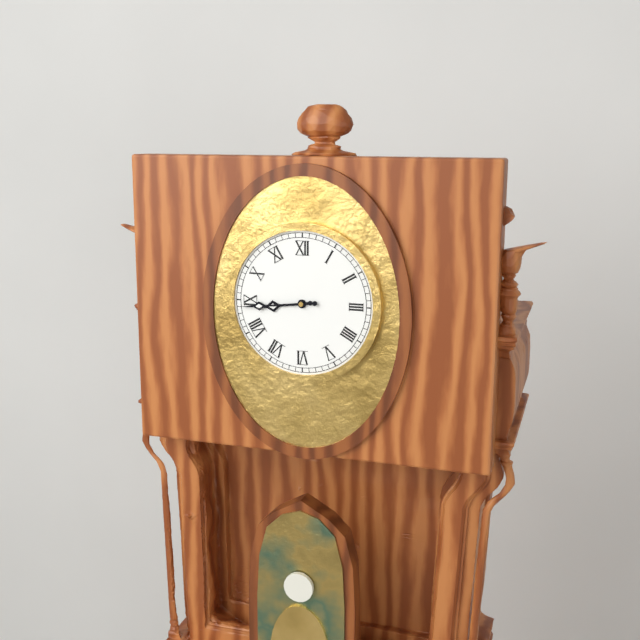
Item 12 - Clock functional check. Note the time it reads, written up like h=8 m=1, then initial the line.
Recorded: h=8 m=44
